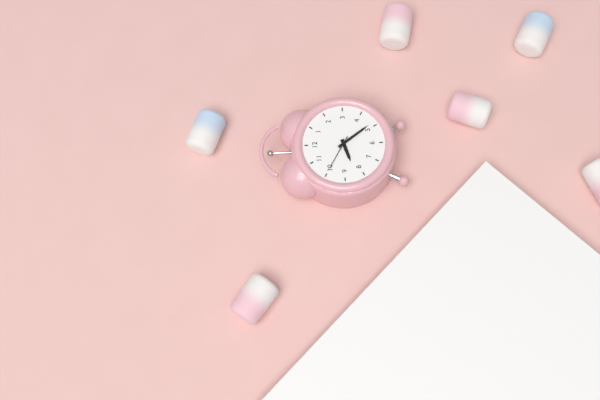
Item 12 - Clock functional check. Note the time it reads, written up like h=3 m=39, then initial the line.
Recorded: h=8 m=24
